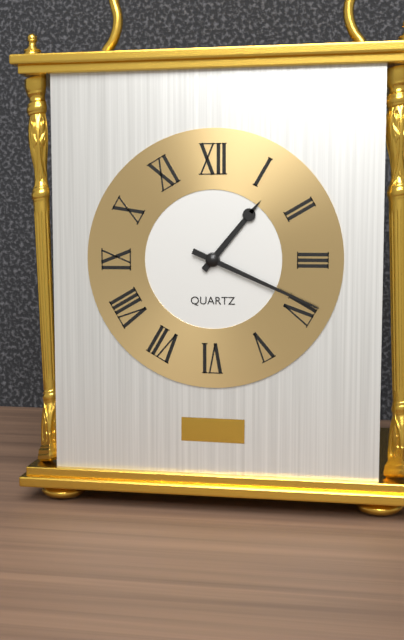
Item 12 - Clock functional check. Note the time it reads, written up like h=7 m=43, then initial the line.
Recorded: h=1 m=19
